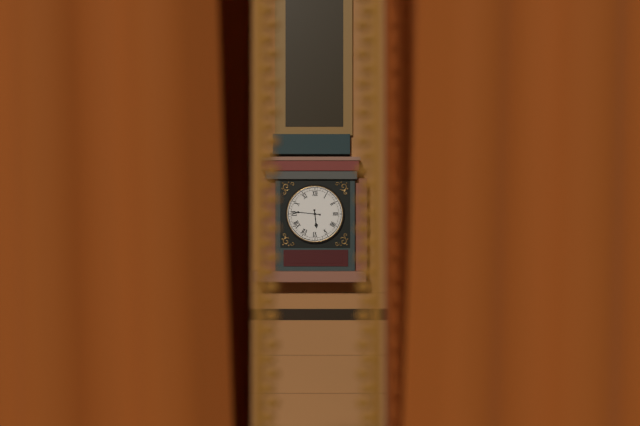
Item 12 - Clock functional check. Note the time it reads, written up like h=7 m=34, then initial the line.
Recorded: h=5 m=46
